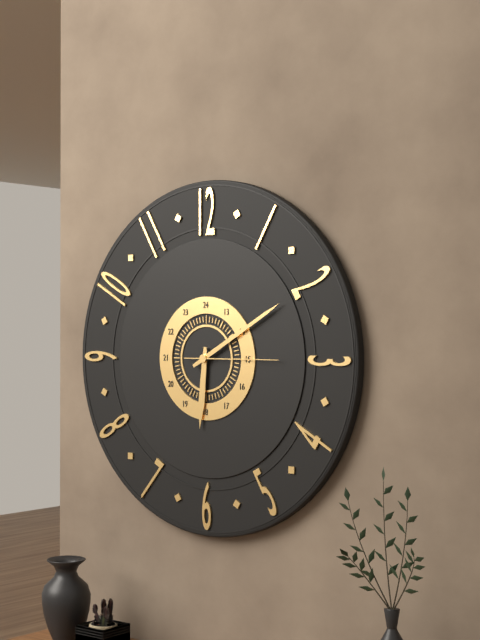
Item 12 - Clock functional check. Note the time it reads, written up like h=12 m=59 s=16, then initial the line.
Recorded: h=6 m=10 s=15
